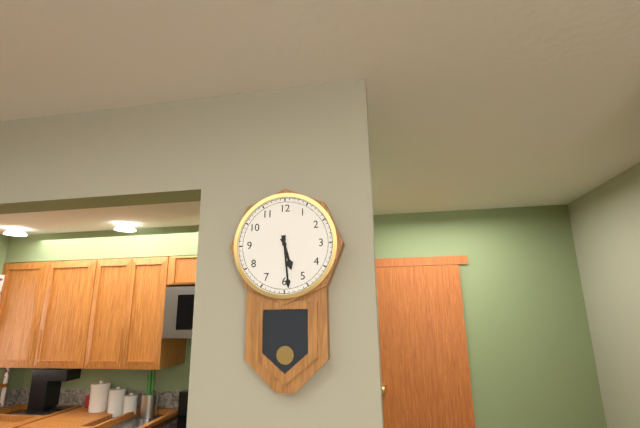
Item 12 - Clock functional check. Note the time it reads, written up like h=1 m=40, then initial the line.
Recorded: h=5 m=29
